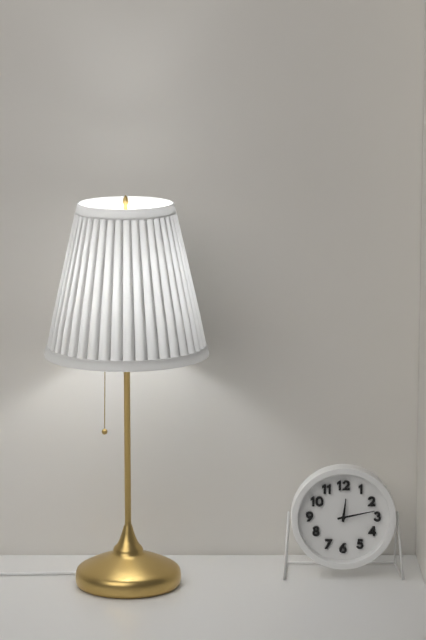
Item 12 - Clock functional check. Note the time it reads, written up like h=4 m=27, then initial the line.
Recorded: h=12 m=13
